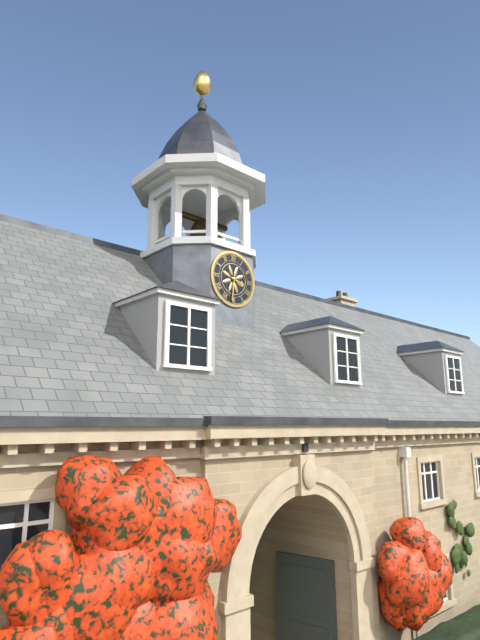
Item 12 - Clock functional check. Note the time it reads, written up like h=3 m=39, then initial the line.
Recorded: h=3 m=31
